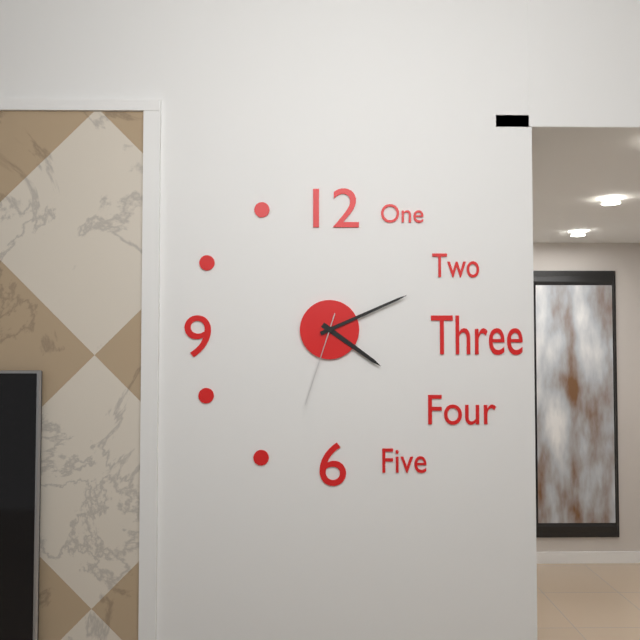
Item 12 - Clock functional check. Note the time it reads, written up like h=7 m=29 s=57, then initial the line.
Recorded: h=4 m=11 s=33
